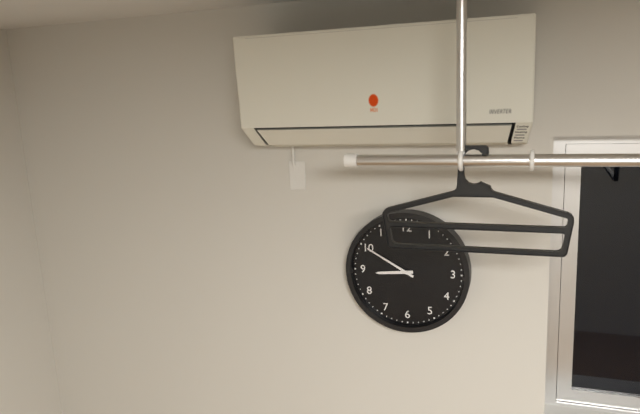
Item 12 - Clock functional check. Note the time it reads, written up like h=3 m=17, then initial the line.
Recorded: h=8 m=50
